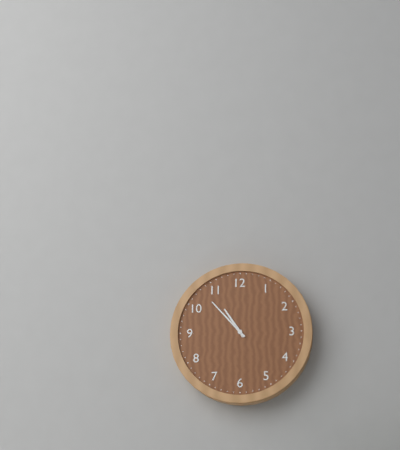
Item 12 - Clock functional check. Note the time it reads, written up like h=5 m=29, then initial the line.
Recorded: h=10 m=53
